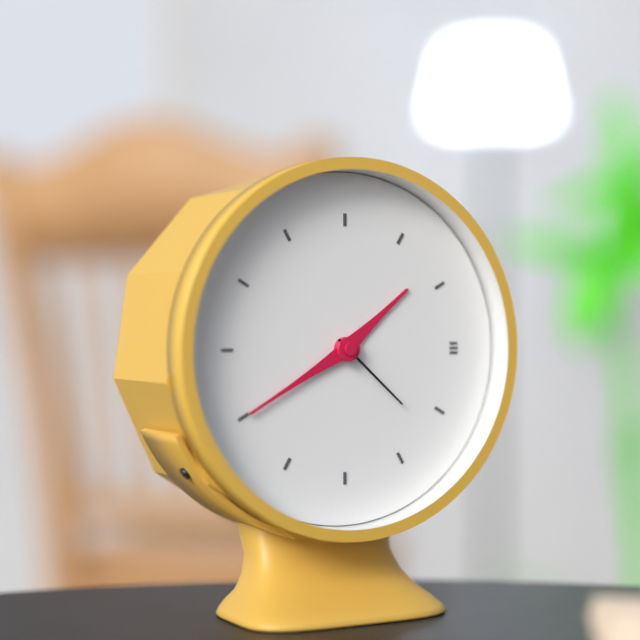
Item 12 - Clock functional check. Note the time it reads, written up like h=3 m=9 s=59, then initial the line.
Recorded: h=1 m=40 s=22
